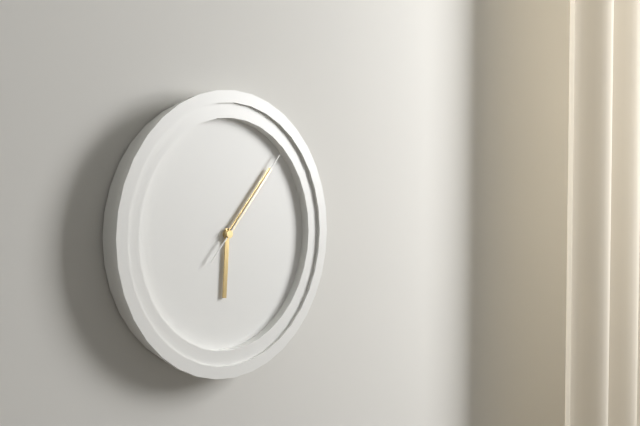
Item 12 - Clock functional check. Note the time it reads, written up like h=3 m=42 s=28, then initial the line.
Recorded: h=6 m=7 s=7
